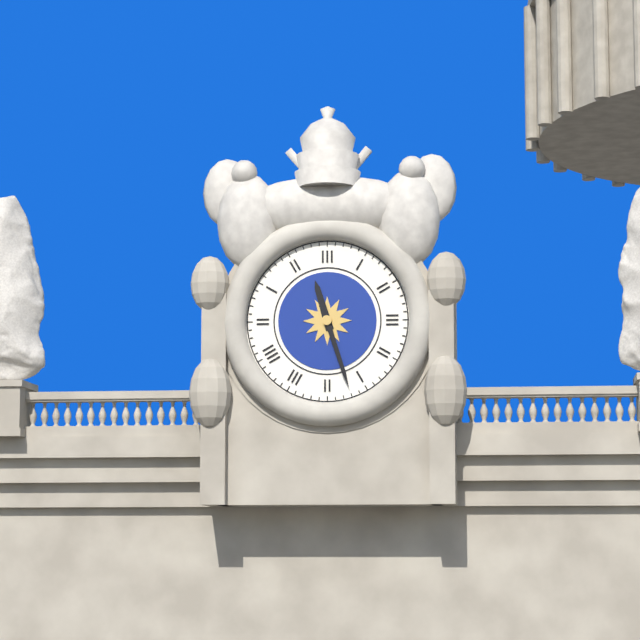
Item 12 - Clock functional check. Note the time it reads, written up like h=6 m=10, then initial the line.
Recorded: h=11 m=27
